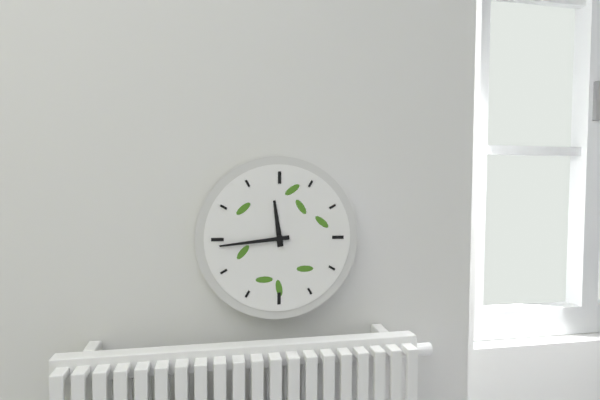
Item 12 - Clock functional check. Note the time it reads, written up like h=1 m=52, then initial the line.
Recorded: h=11 m=44
